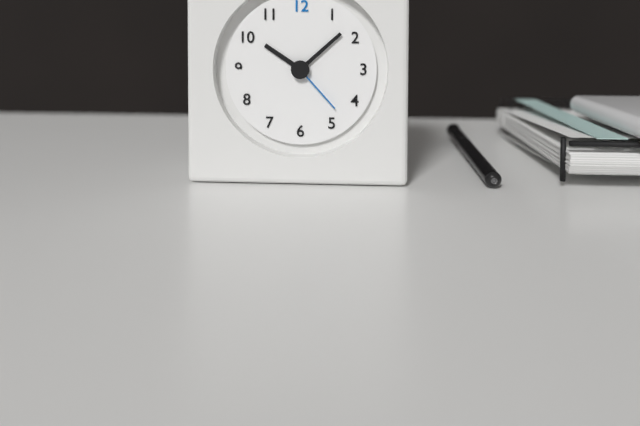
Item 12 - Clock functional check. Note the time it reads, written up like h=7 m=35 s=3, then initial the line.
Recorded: h=10 m=8 s=23
